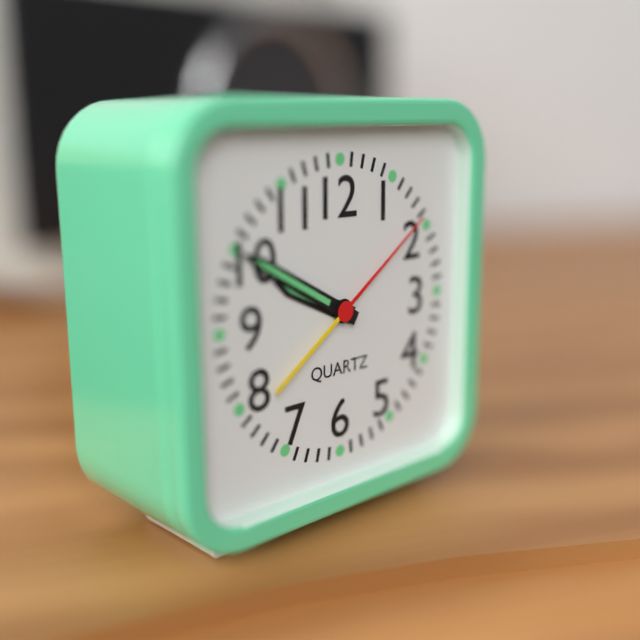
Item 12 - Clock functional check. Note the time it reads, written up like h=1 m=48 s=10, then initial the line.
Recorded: h=9 m=50 s=9
